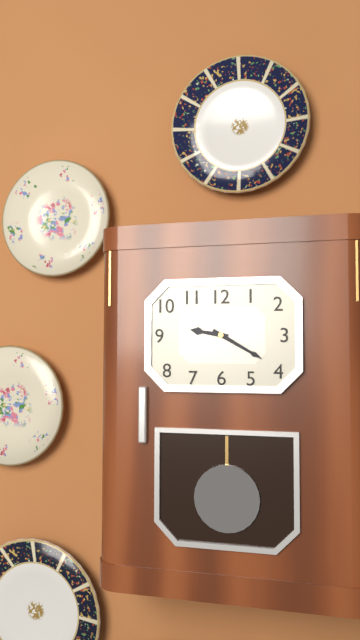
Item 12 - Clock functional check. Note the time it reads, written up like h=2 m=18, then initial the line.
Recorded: h=9 m=20
